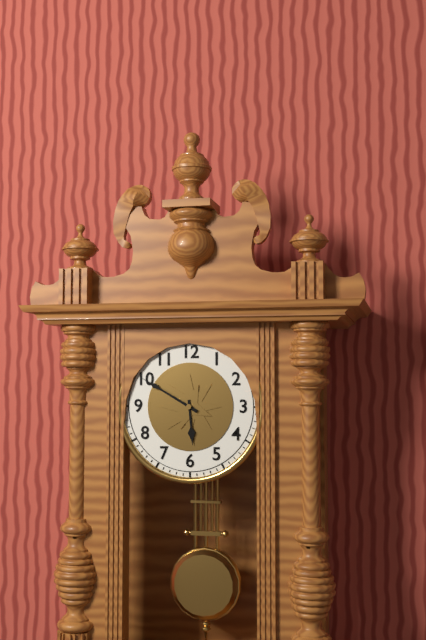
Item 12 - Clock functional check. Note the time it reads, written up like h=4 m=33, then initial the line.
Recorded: h=5 m=50
